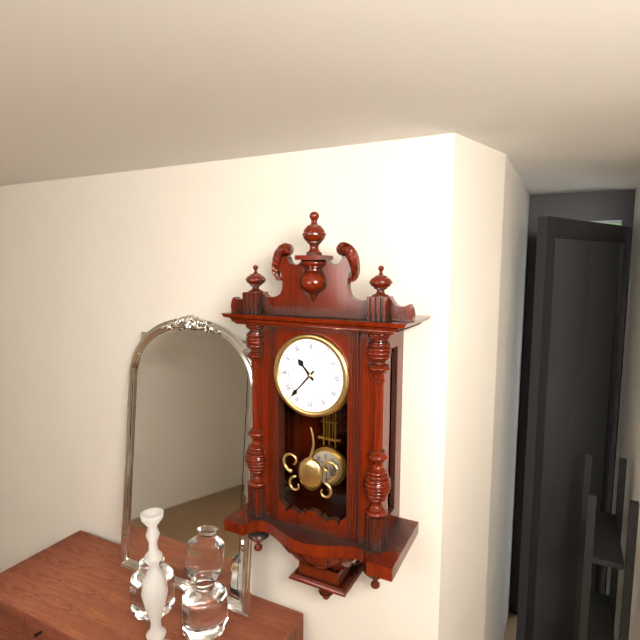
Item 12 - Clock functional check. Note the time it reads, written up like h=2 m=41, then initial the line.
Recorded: h=10 m=37
